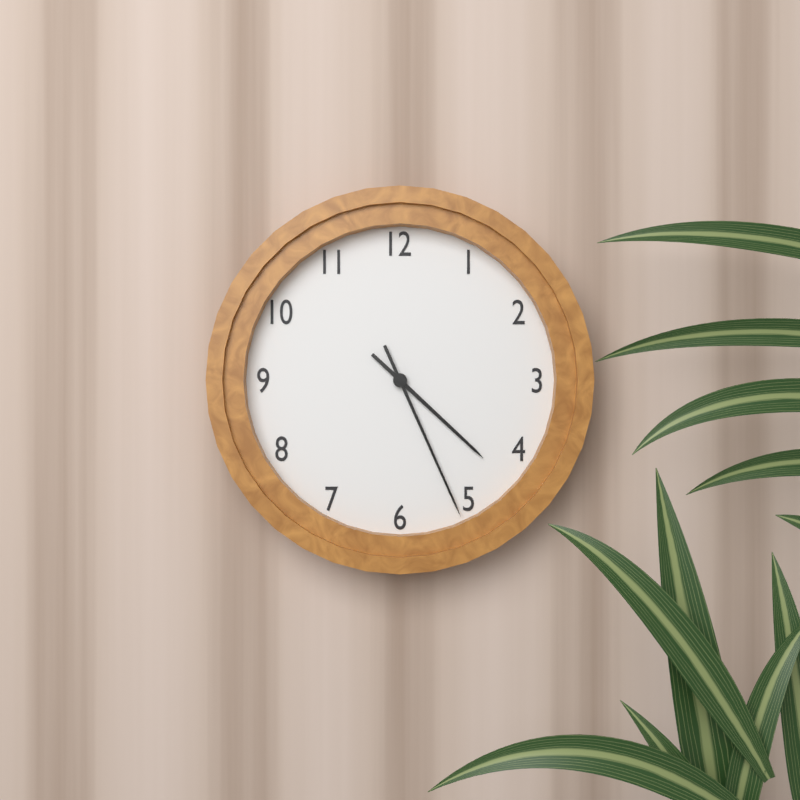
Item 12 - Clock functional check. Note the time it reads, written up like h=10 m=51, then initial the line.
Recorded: h=4 m=26
